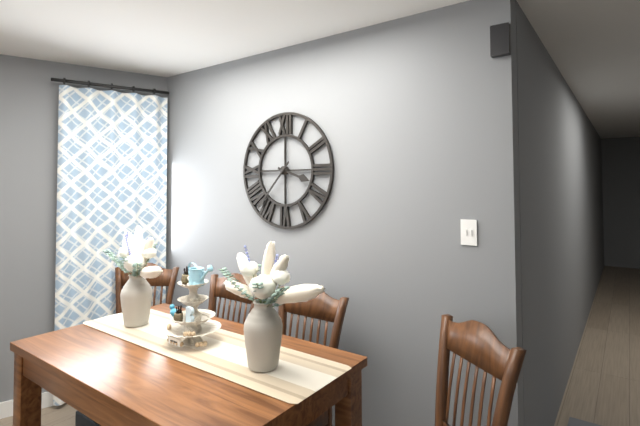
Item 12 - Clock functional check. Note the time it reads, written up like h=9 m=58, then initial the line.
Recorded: h=3 m=37
